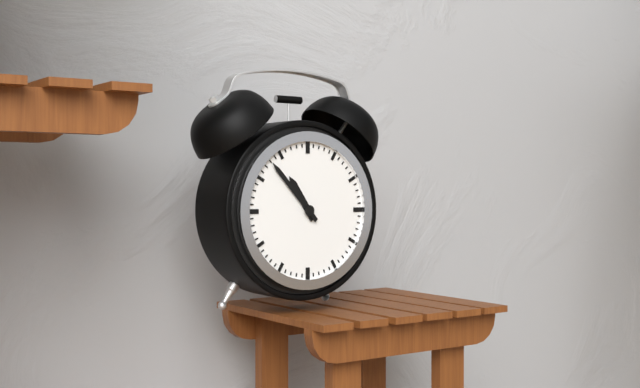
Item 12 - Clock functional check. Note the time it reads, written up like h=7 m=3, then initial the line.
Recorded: h=10 m=53
